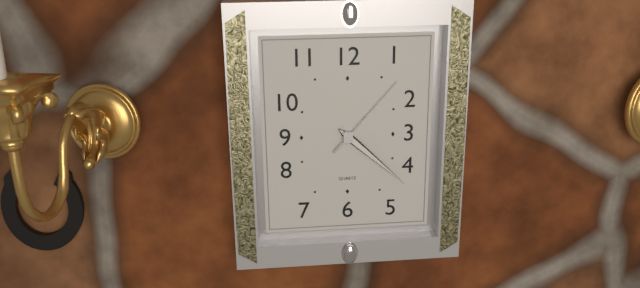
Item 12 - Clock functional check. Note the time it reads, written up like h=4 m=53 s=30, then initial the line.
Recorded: h=4 m=22 s=7
